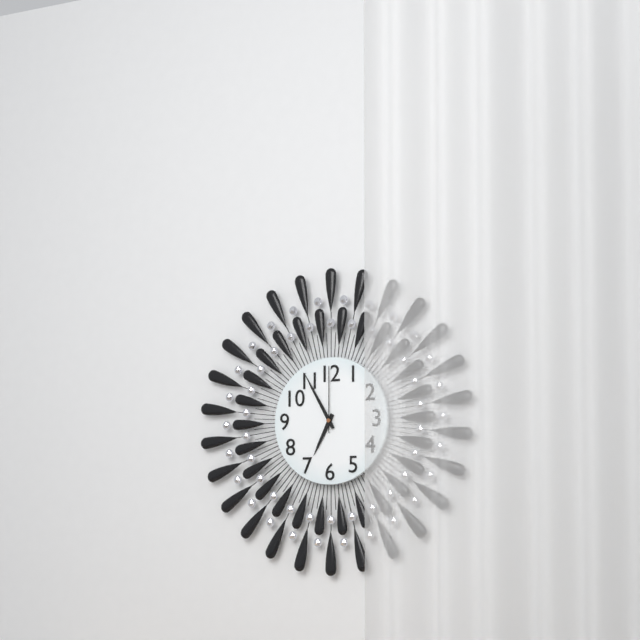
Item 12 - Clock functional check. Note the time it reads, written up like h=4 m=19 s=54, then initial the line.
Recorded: h=6 m=55 s=0
